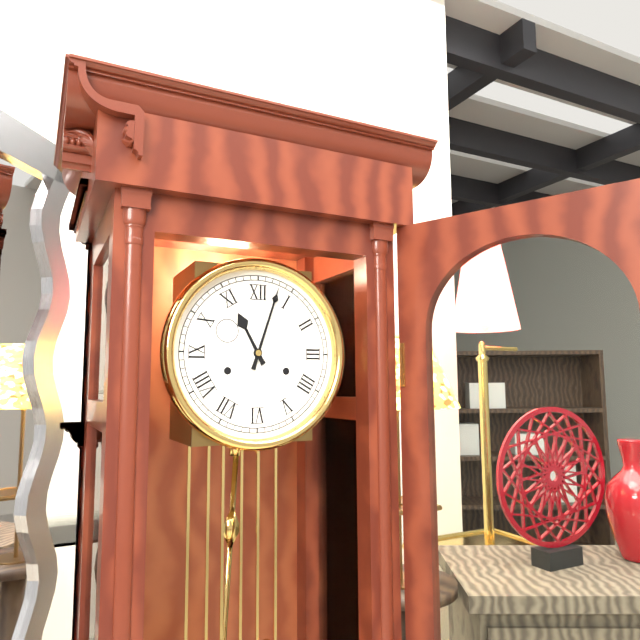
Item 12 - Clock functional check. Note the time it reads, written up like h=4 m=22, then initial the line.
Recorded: h=11 m=3
